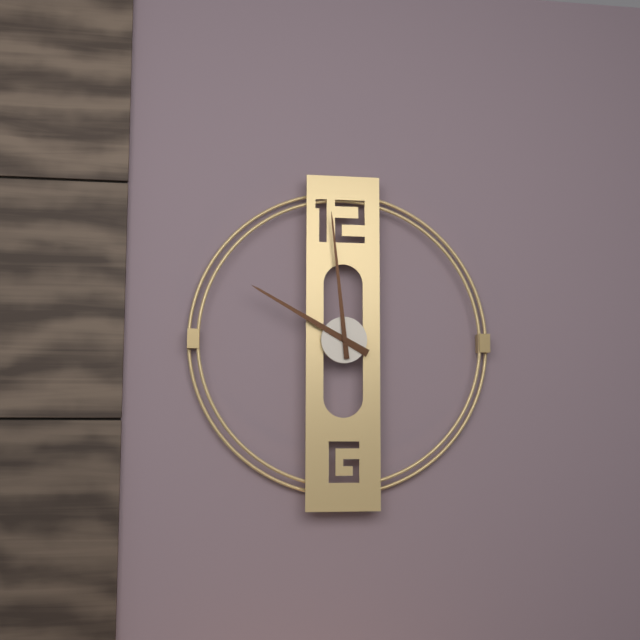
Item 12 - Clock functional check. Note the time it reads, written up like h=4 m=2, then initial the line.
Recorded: h=9 m=59
